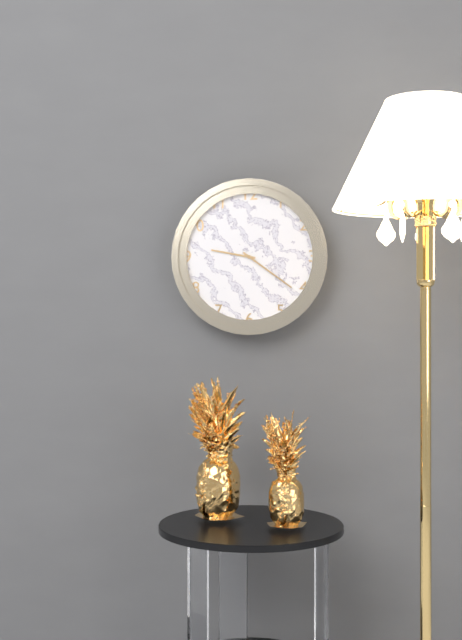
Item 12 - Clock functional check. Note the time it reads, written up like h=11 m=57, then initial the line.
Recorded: h=9 m=21
